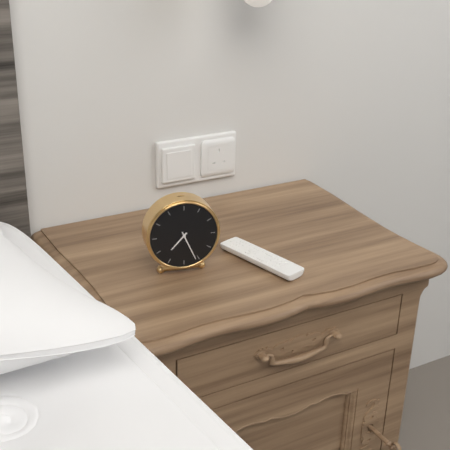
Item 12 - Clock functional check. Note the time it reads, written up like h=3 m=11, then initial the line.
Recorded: h=7 m=26
